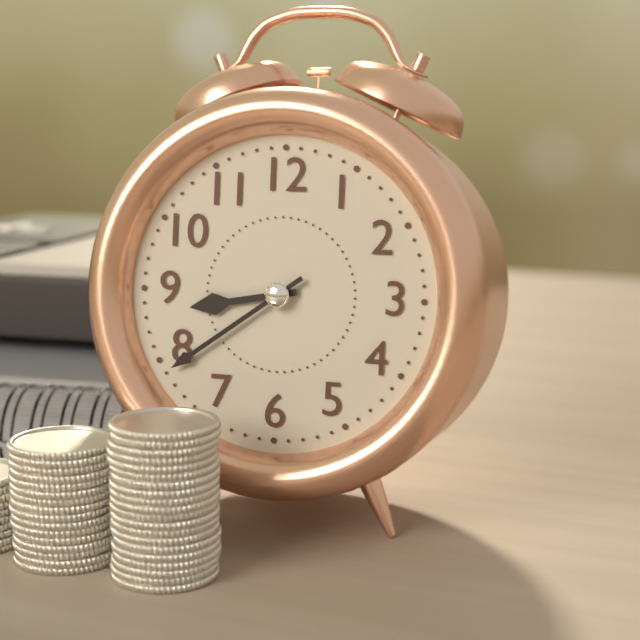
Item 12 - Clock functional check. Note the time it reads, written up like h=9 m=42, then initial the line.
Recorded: h=8 m=39
